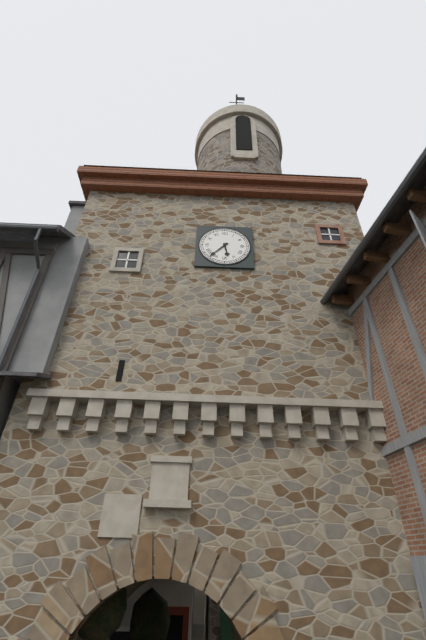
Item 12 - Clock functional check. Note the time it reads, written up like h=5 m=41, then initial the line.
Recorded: h=5 m=37
